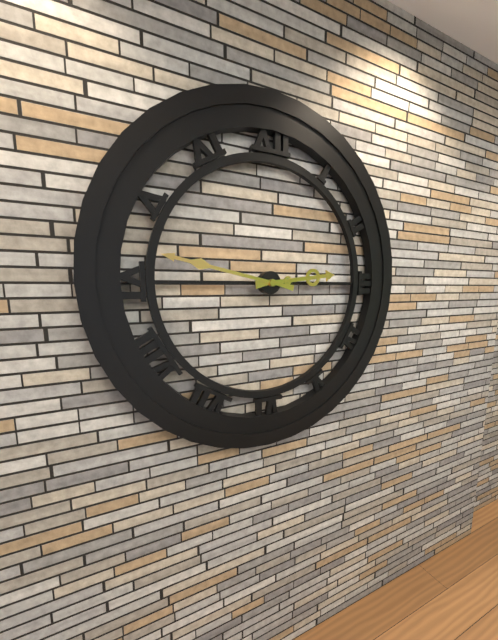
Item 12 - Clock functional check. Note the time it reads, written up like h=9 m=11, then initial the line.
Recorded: h=2 m=47
